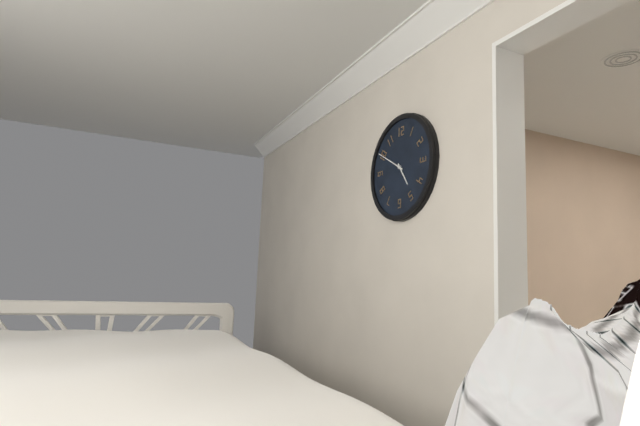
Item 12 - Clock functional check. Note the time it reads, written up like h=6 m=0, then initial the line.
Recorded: h=4 m=50
